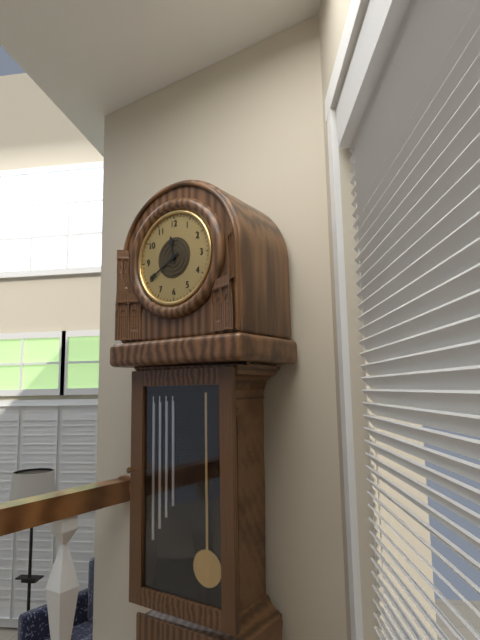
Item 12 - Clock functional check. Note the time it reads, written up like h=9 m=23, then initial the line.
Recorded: h=11 m=40
